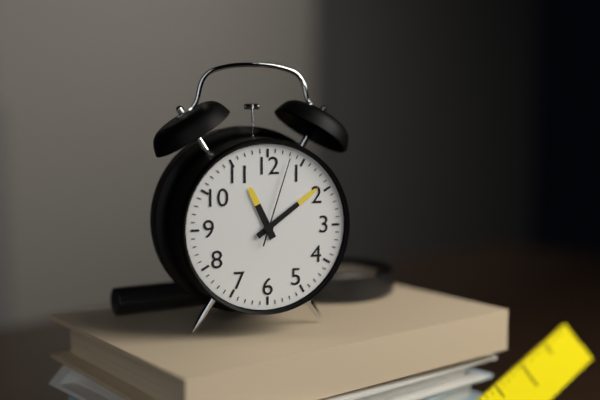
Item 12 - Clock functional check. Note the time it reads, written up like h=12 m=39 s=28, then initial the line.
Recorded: h=11 m=9 s=3
